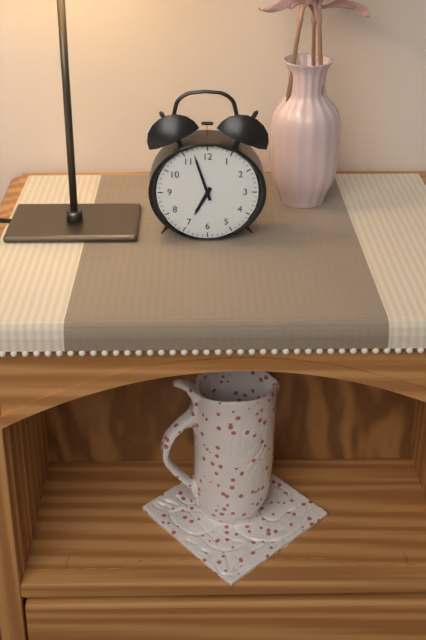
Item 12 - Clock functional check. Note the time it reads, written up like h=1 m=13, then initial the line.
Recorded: h=6 m=57
